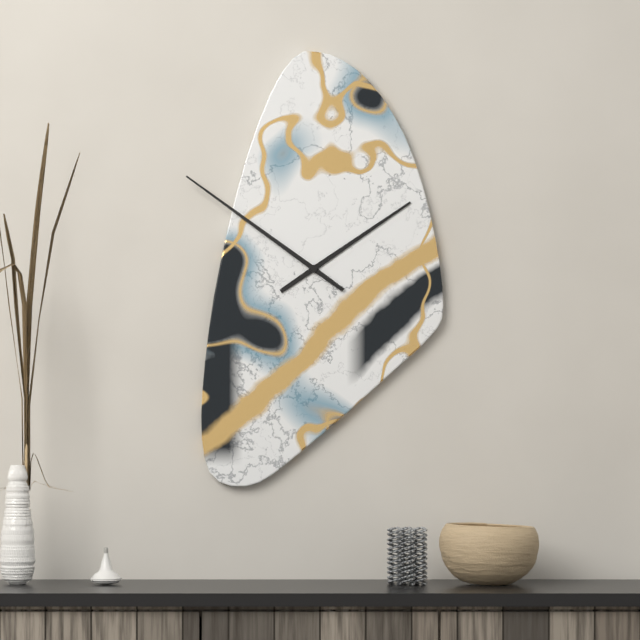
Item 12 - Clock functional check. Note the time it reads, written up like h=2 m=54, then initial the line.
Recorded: h=1 m=51
